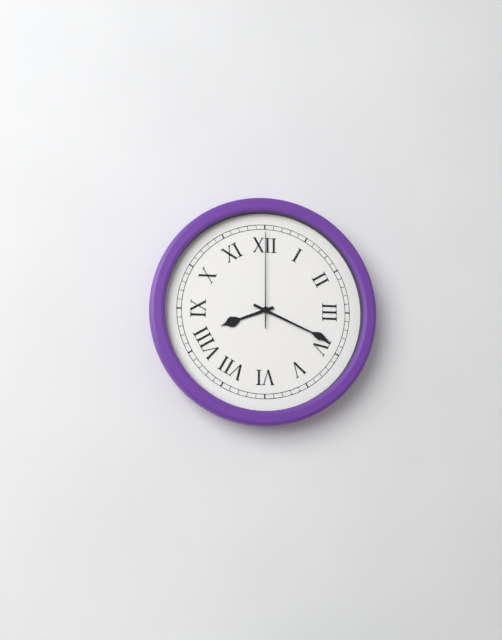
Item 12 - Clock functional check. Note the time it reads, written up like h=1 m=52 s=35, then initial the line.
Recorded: h=8 m=19 s=0
